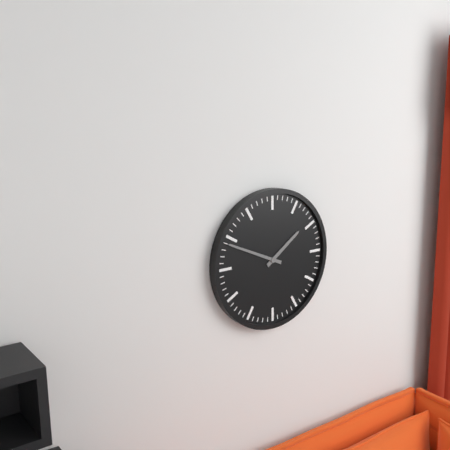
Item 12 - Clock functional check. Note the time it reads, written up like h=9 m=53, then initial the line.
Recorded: h=1 m=49
